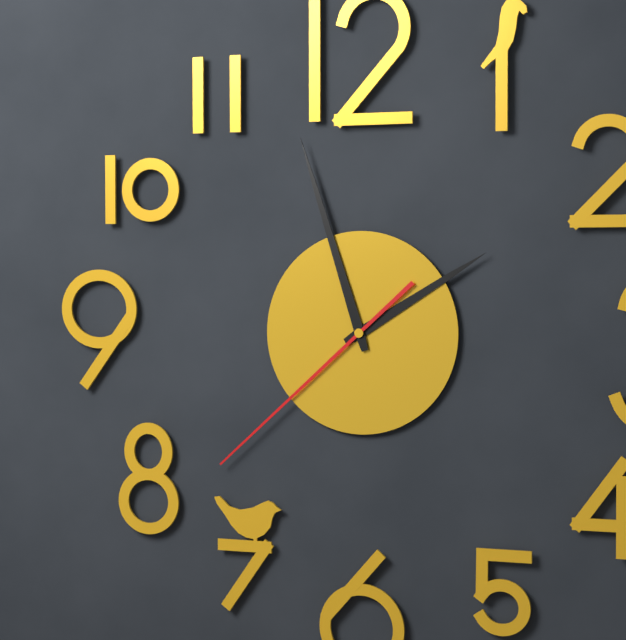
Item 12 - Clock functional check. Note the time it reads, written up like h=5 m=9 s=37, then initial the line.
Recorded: h=1 m=57 s=38
